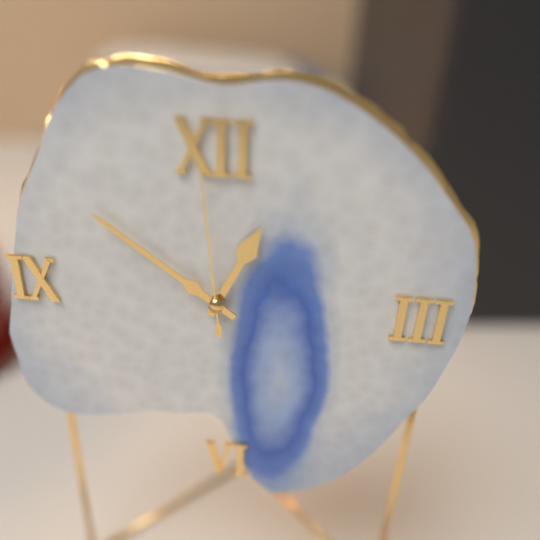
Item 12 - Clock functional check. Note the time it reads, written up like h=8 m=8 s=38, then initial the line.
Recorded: h=12 m=51 s=59
